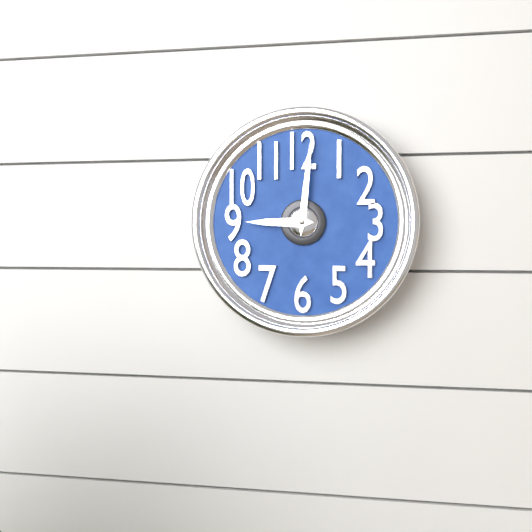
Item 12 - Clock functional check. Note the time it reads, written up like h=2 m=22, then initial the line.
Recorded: h=9 m=1
